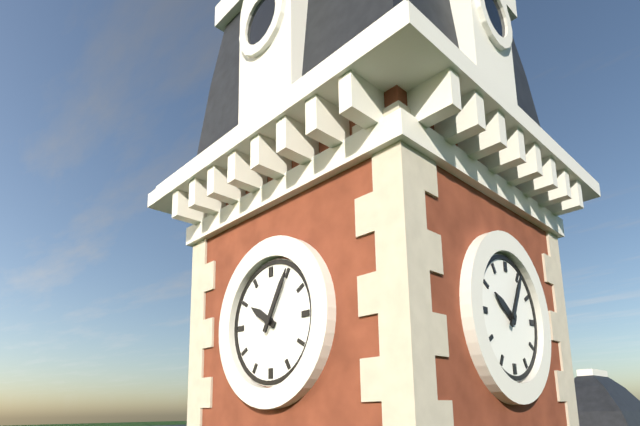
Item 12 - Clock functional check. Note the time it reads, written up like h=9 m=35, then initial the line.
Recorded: h=10 m=5
